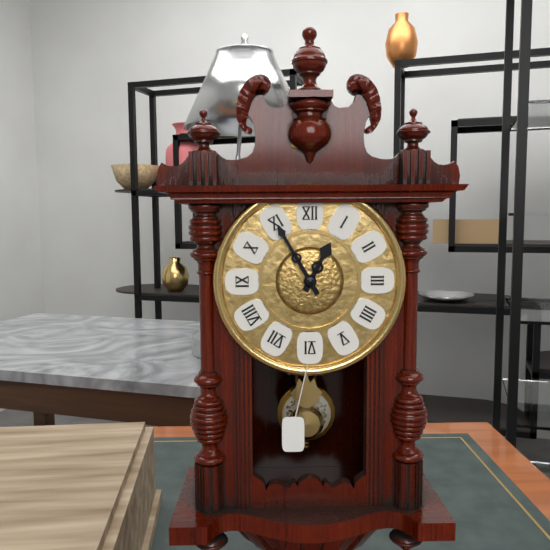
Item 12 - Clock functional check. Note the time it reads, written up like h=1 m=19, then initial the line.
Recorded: h=12 m=55
